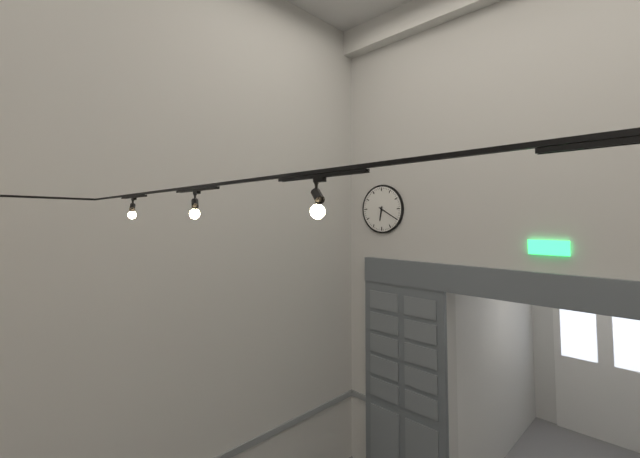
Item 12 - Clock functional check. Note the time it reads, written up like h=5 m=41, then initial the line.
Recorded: h=6 m=20
